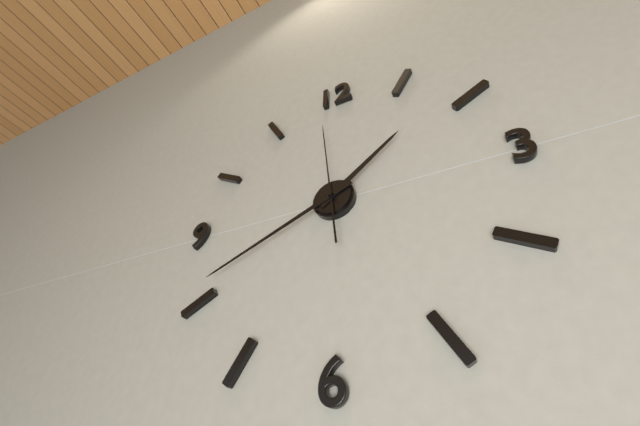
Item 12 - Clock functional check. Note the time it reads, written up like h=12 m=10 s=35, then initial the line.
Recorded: h=1 m=41 s=59
